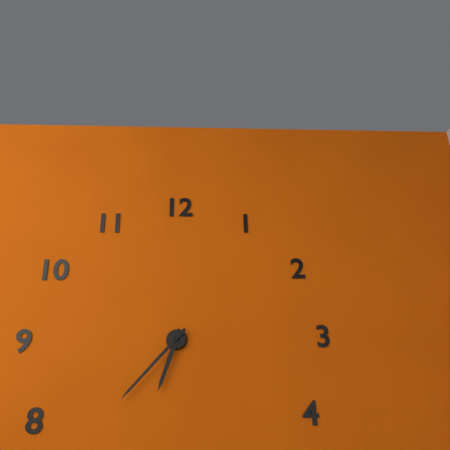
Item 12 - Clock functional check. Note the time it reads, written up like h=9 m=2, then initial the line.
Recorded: h=6 m=37
